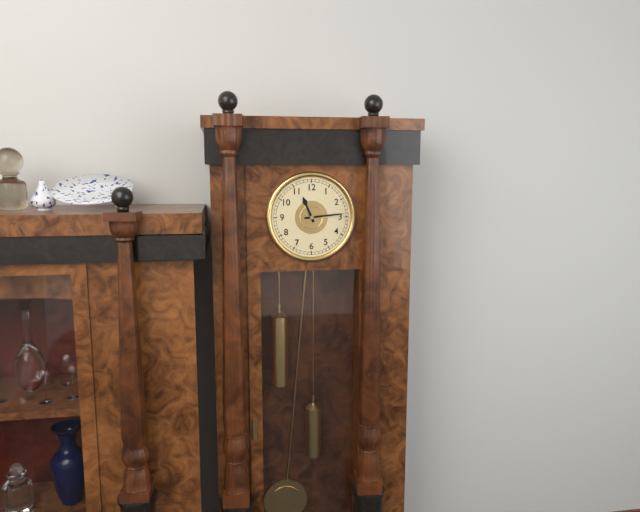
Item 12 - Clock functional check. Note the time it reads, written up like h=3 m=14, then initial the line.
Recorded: h=11 m=14
